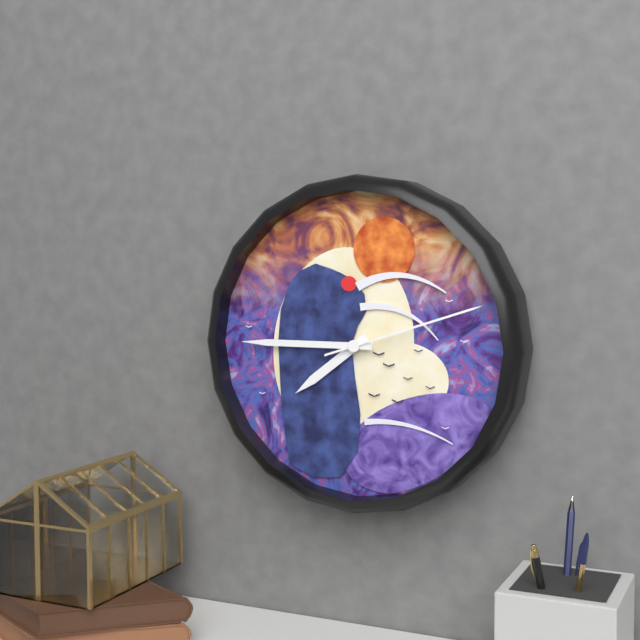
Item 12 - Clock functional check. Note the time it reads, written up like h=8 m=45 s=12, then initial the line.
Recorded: h=7 m=45 s=12
